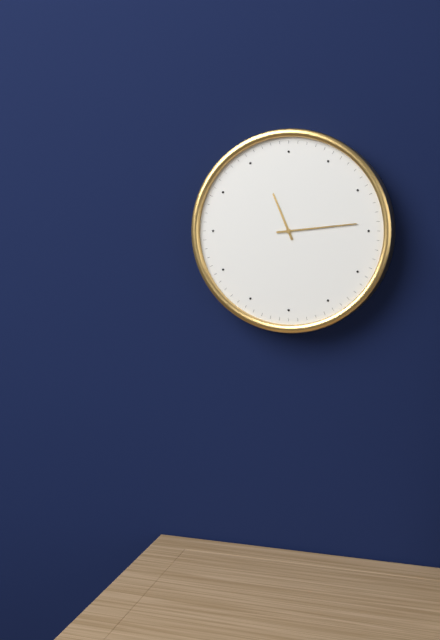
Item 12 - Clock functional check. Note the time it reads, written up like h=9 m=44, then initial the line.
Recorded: h=11 m=14
